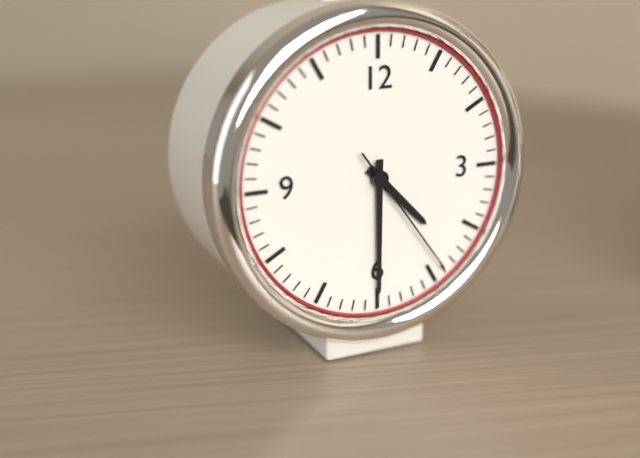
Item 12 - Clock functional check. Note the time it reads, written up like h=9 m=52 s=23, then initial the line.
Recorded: h=4 m=30 s=24
